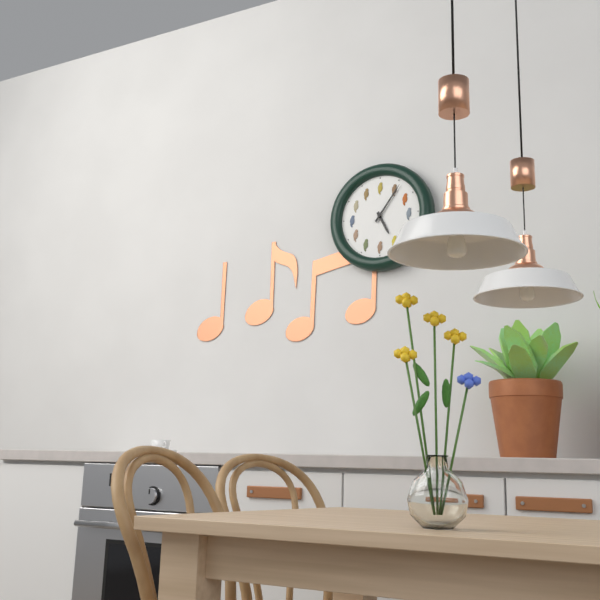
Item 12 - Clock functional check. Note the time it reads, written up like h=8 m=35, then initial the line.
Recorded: h=5 m=6
